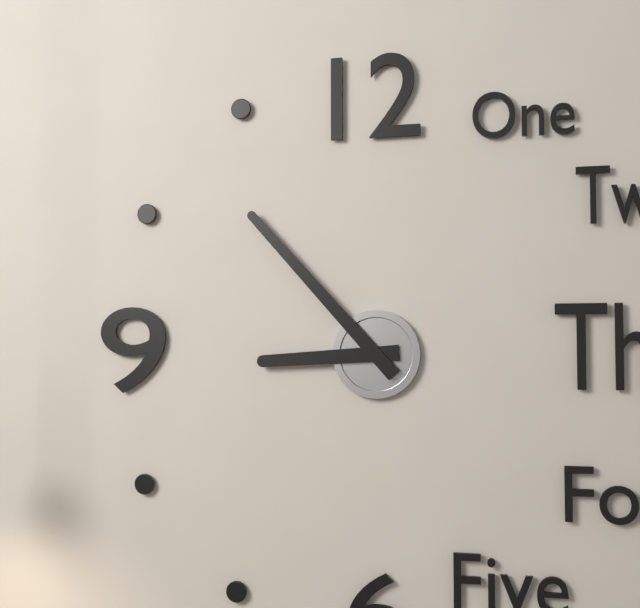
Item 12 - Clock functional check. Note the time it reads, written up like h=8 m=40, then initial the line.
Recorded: h=8 m=53
